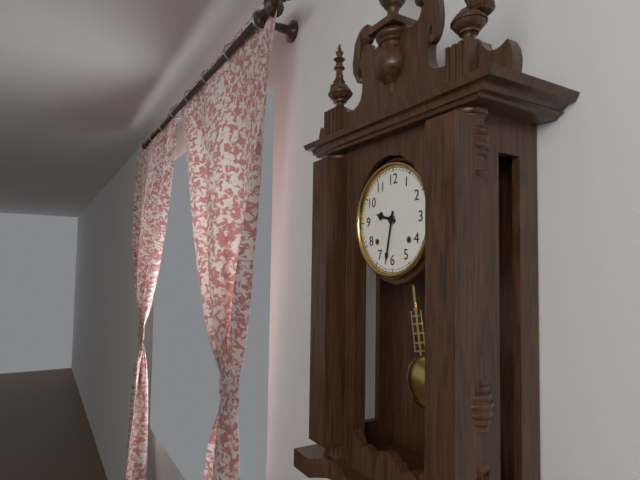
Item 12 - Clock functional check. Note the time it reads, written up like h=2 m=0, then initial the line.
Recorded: h=9 m=32
